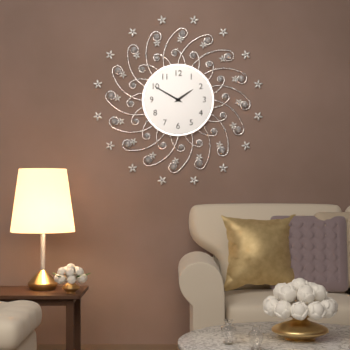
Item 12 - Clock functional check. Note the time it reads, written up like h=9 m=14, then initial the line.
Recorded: h=1 m=50
